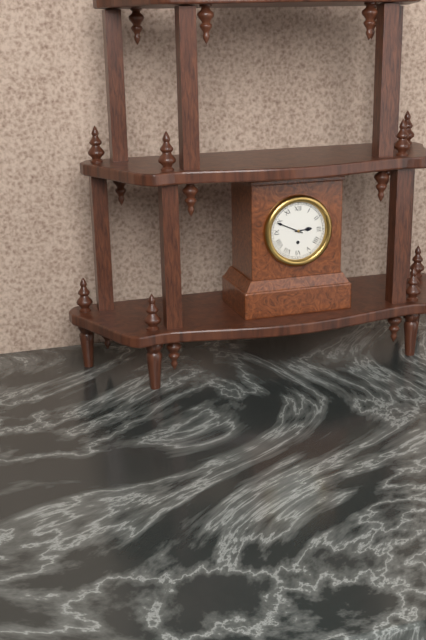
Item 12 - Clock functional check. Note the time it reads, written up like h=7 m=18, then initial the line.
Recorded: h=2 m=49
